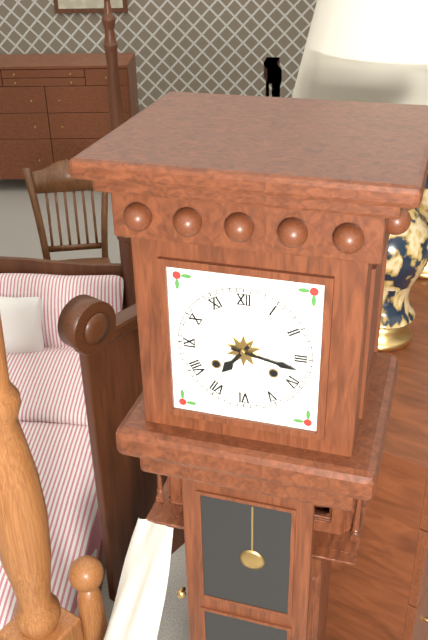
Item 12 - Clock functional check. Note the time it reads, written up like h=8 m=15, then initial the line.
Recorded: h=7 m=17
